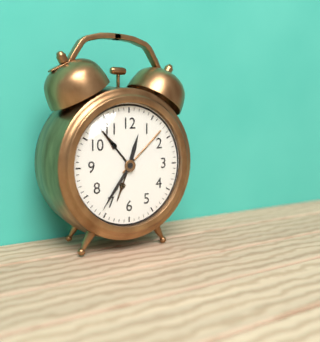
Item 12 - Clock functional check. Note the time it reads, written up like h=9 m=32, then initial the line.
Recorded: h=12 m=36
